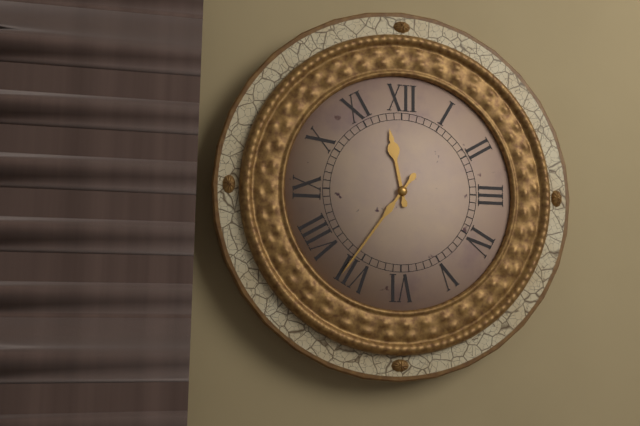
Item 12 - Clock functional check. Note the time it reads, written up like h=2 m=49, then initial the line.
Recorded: h=11 m=36
